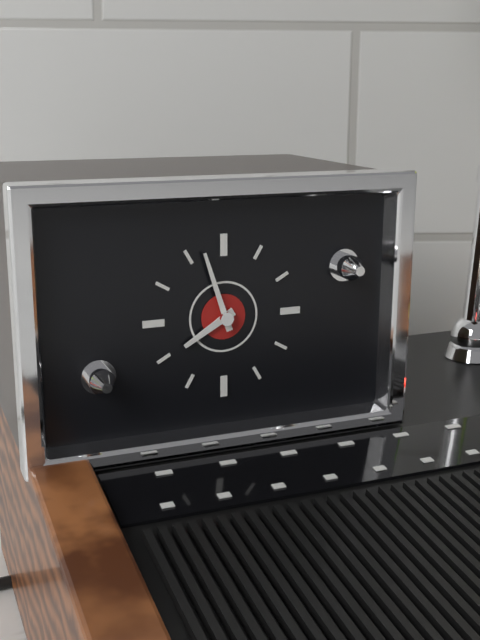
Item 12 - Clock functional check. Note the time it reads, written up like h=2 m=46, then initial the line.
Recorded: h=7 m=57
